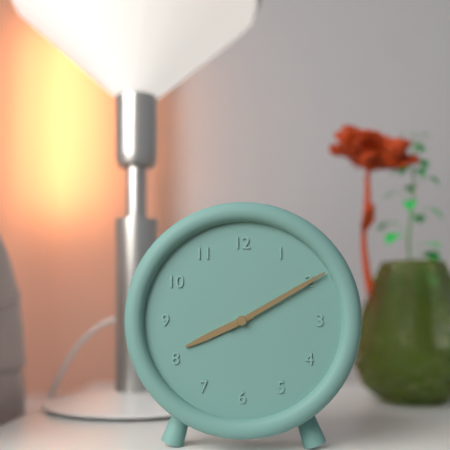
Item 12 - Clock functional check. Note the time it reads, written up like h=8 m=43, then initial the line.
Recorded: h=8 m=10
